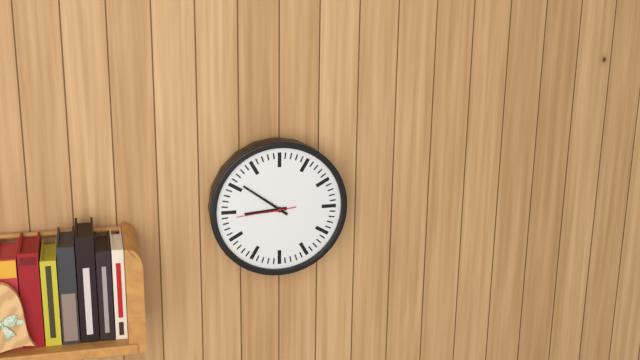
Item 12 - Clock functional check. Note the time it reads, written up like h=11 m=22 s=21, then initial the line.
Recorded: h=8 m=51 s=44
